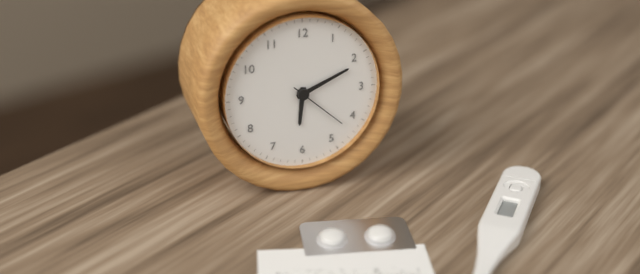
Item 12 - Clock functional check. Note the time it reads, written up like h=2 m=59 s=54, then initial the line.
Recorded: h=6 m=11 s=22
